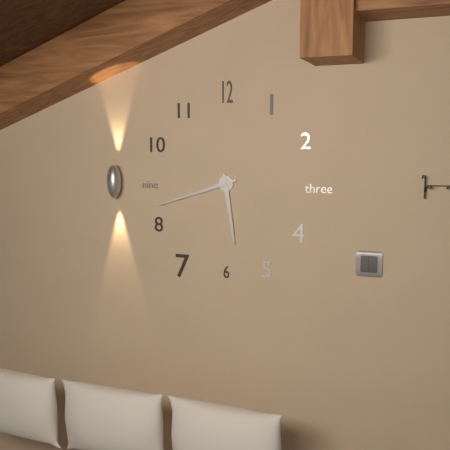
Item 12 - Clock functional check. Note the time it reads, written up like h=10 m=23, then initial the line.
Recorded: h=5 m=42
